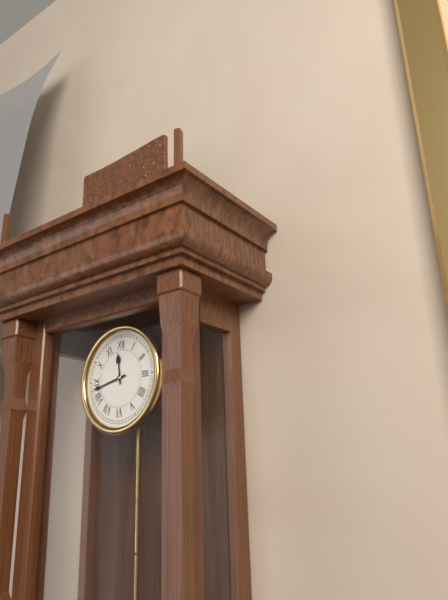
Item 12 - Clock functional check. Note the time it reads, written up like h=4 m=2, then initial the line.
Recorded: h=11 m=43
